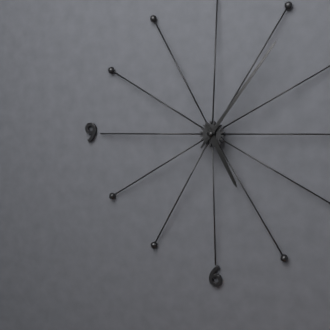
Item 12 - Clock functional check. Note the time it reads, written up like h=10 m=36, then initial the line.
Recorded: h=5 m=6
